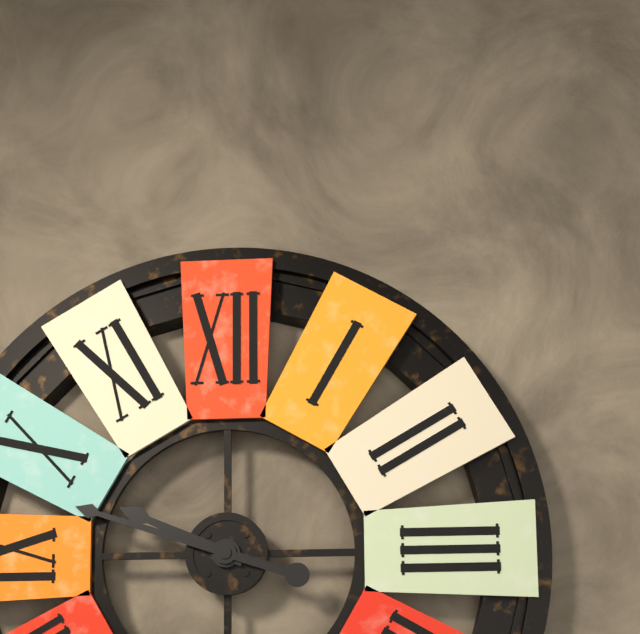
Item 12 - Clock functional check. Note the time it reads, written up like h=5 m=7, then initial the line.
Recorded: h=9 m=48
